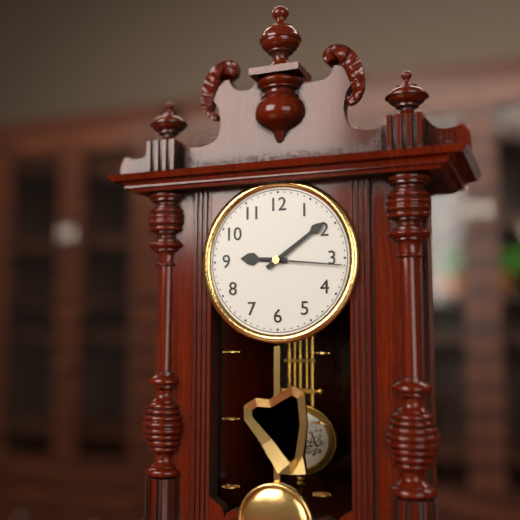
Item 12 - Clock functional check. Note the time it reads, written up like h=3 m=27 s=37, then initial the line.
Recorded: h=9 m=9 s=16
